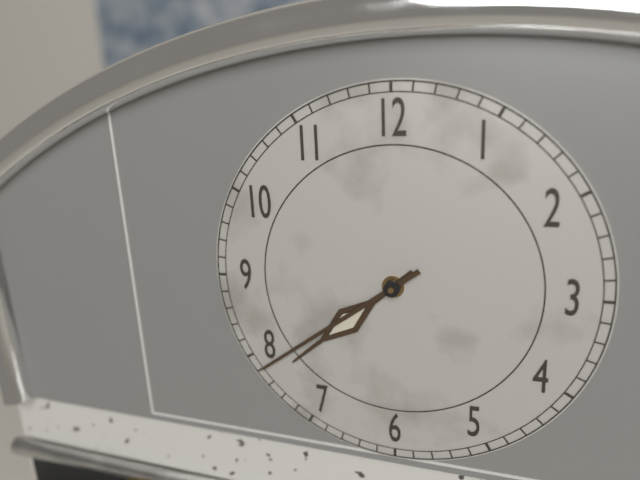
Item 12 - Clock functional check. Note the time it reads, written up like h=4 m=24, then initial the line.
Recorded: h=7 m=39
